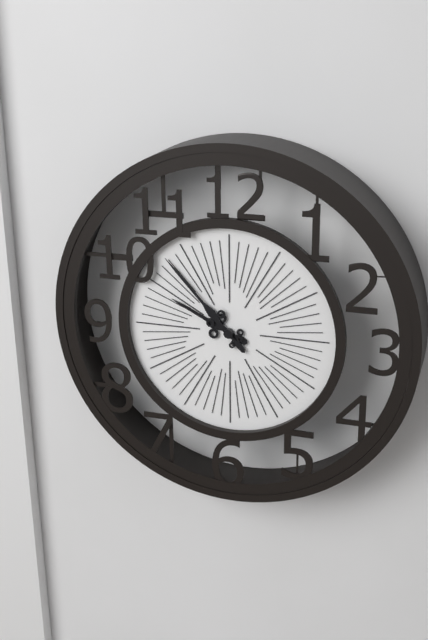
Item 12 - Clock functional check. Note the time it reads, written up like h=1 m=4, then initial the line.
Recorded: h=9 m=53
